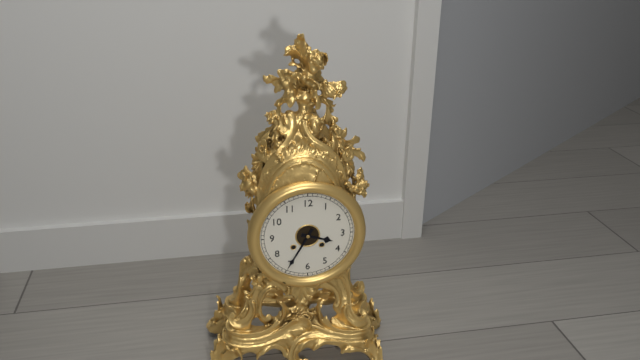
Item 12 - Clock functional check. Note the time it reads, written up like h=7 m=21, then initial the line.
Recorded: h=3 m=35
